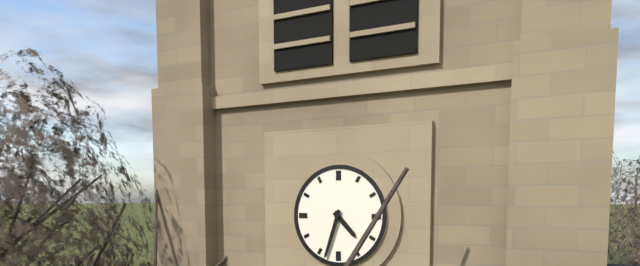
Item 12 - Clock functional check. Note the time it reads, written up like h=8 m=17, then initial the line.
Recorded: h=4 m=33
